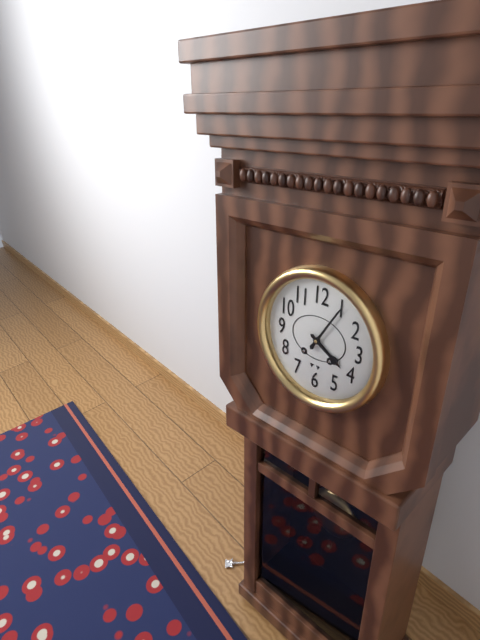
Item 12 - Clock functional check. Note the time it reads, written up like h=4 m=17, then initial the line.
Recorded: h=4 m=5
